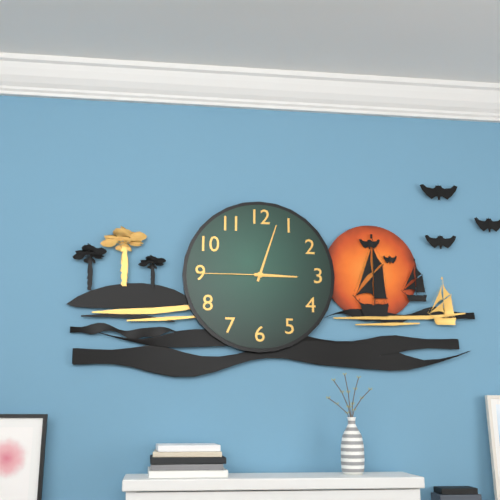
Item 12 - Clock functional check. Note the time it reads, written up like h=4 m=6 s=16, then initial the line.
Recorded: h=3 m=3 s=45
